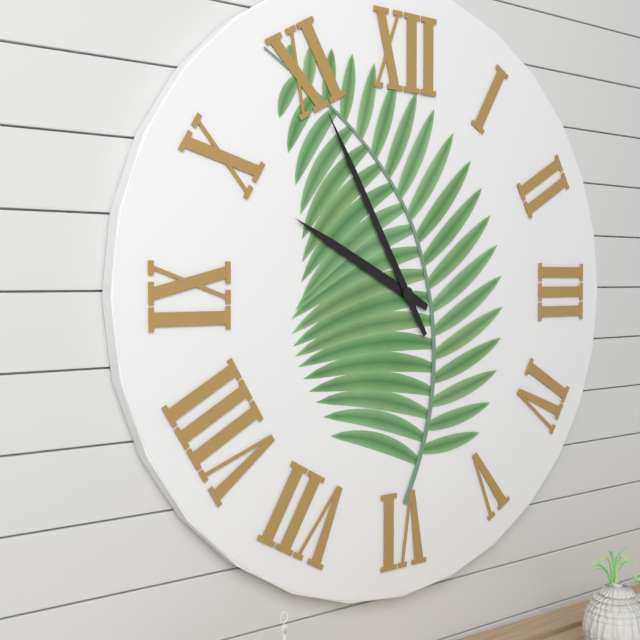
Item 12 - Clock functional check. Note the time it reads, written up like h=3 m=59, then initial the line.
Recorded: h=9 m=55
